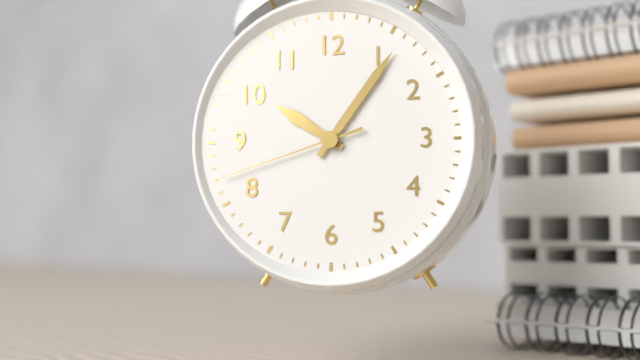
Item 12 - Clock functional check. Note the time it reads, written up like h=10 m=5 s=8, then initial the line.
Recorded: h=10 m=6 s=42
